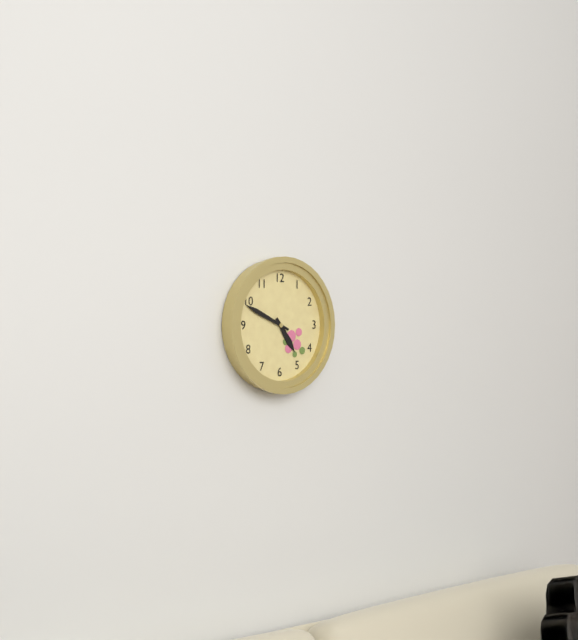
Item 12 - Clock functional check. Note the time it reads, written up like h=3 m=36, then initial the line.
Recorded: h=4 m=49
